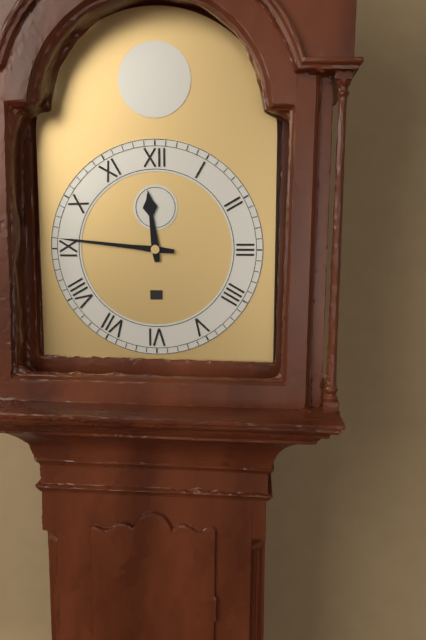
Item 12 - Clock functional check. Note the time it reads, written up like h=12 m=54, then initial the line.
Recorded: h=11 m=46
